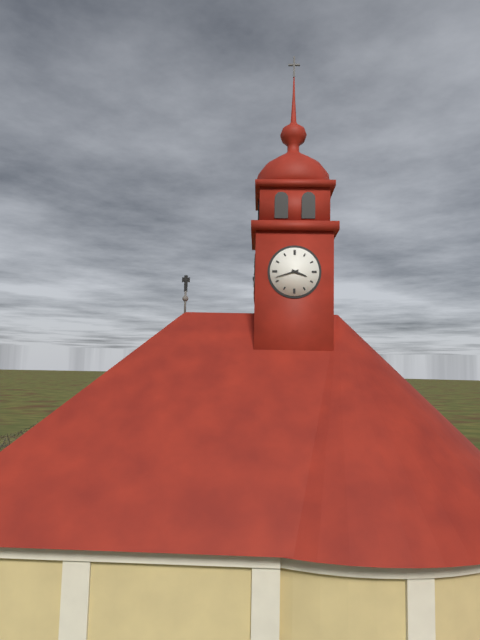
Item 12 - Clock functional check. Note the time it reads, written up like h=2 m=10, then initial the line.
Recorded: h=3 m=42
